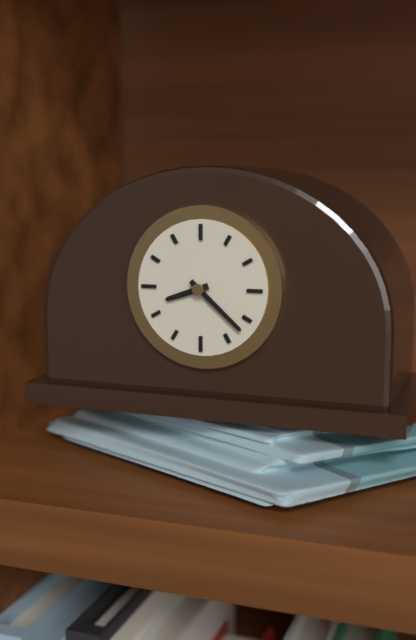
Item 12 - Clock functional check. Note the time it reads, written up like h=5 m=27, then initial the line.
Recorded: h=8 m=22
